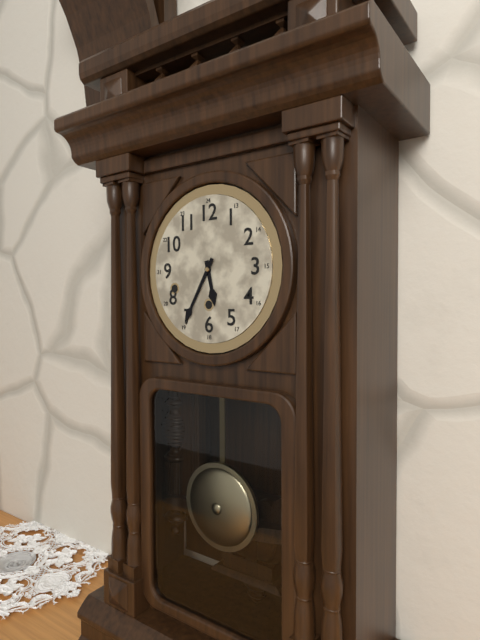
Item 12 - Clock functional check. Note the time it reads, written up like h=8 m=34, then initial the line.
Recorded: h=5 m=35
